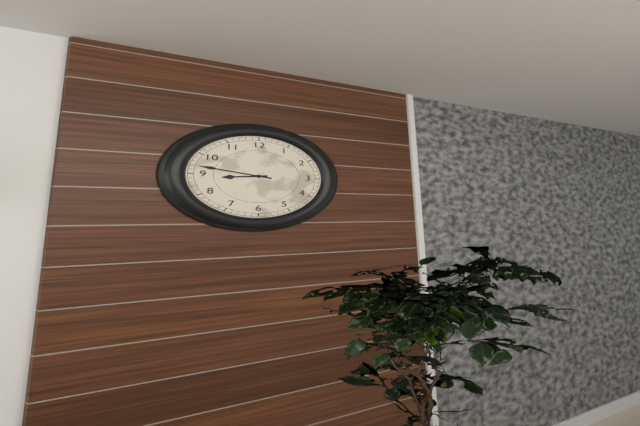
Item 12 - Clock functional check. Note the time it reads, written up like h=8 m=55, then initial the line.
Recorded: h=8 m=47
